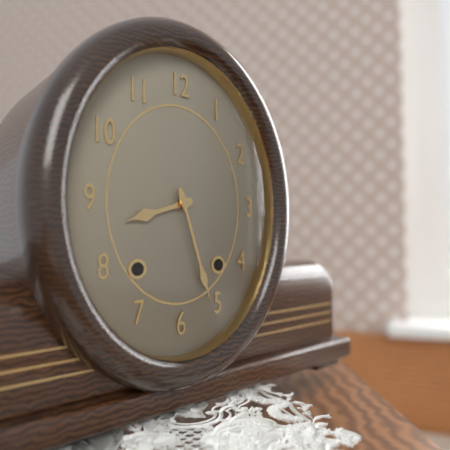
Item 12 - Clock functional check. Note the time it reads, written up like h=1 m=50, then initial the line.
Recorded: h=8 m=27
